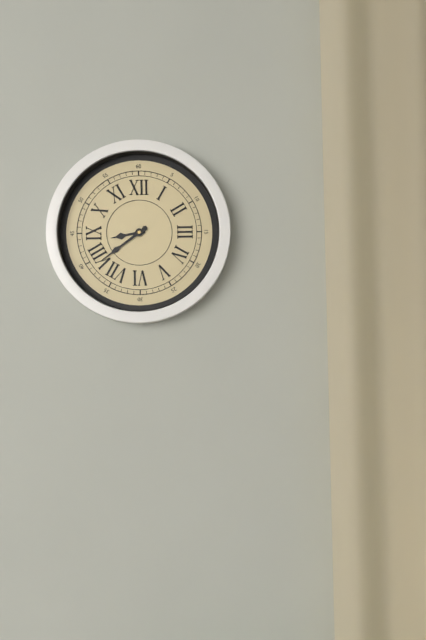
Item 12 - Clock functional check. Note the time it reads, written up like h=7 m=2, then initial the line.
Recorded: h=8 m=39
